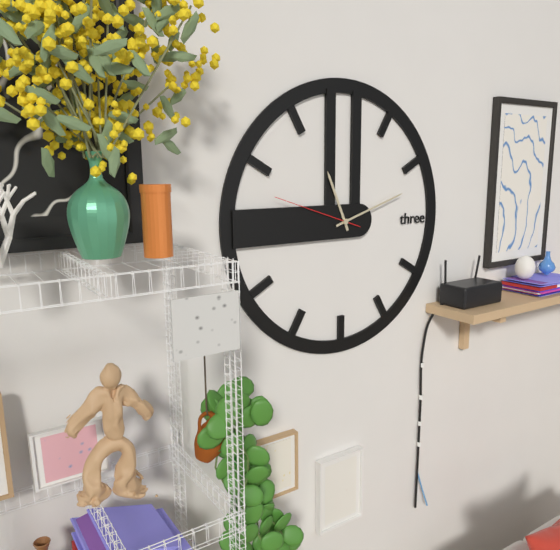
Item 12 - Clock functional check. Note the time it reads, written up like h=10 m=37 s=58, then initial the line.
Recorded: h=11 m=12 s=48
